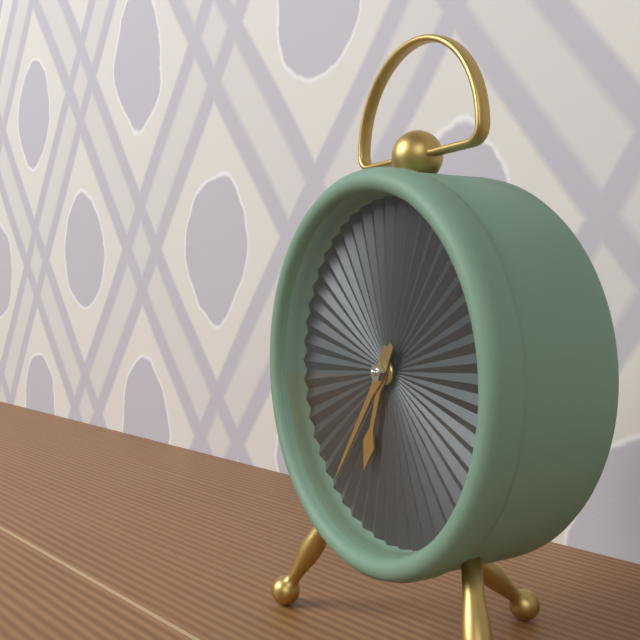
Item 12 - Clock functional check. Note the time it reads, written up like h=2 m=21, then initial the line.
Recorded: h=6 m=36
